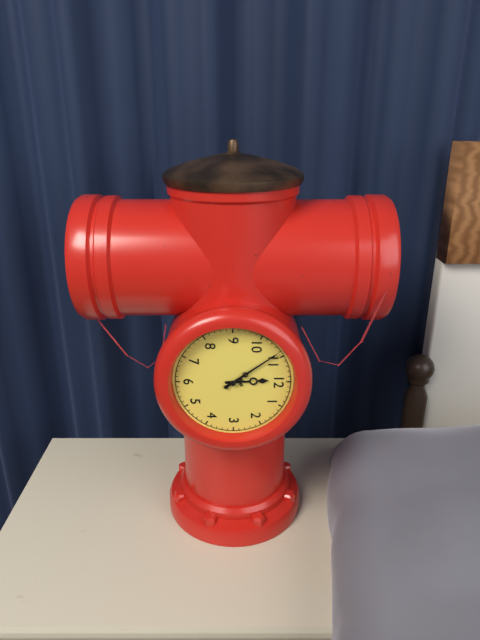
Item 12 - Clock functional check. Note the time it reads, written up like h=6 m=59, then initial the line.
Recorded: h=11 m=54
